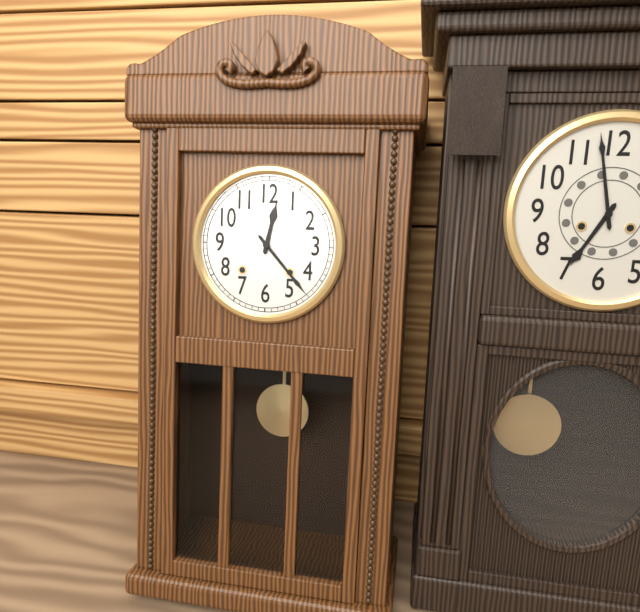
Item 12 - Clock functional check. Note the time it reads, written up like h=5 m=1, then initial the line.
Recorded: h=12 m=23
